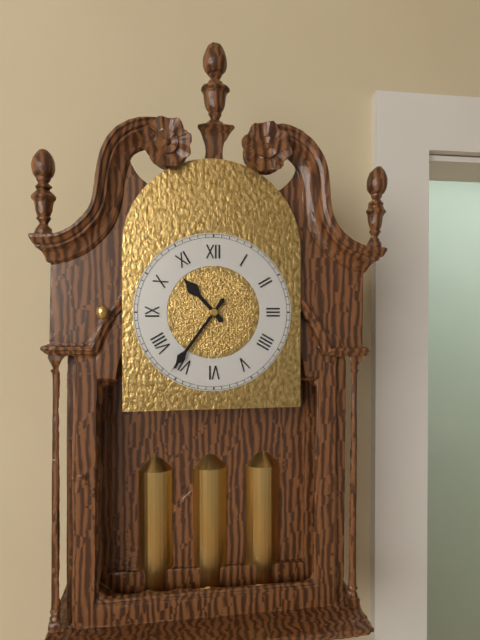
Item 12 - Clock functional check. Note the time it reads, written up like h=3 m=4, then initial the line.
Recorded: h=10 m=36
